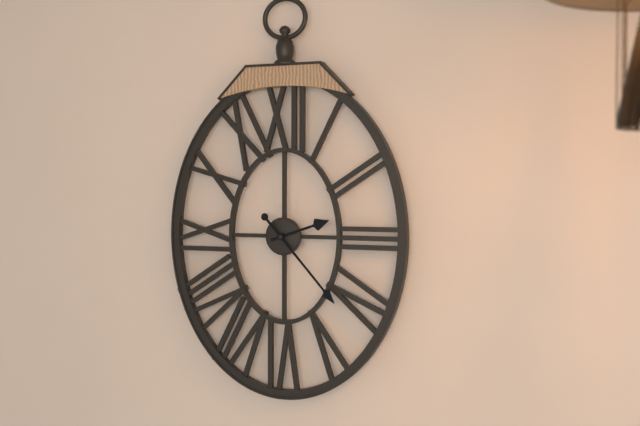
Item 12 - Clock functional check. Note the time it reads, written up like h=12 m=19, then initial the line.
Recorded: h=2 m=23
